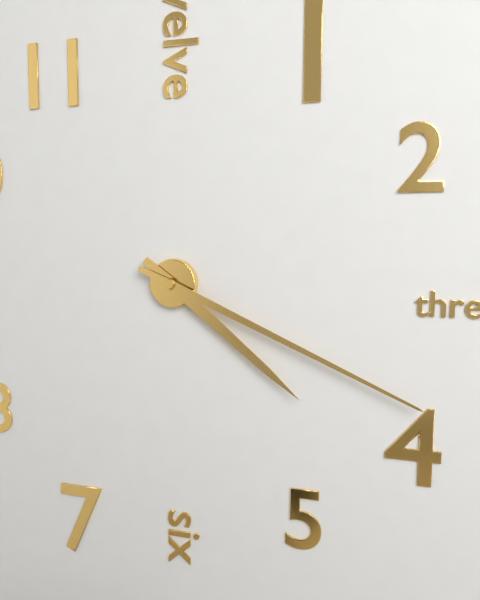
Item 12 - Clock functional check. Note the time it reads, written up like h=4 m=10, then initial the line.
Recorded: h=4 m=19
